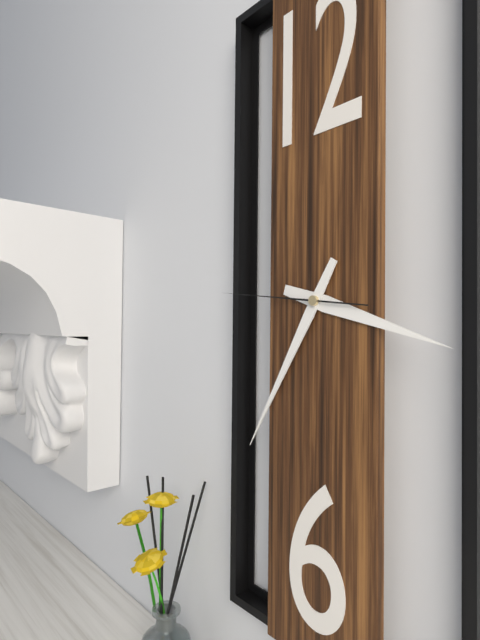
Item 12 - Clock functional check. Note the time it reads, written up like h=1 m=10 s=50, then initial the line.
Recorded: h=3 m=35 s=46
